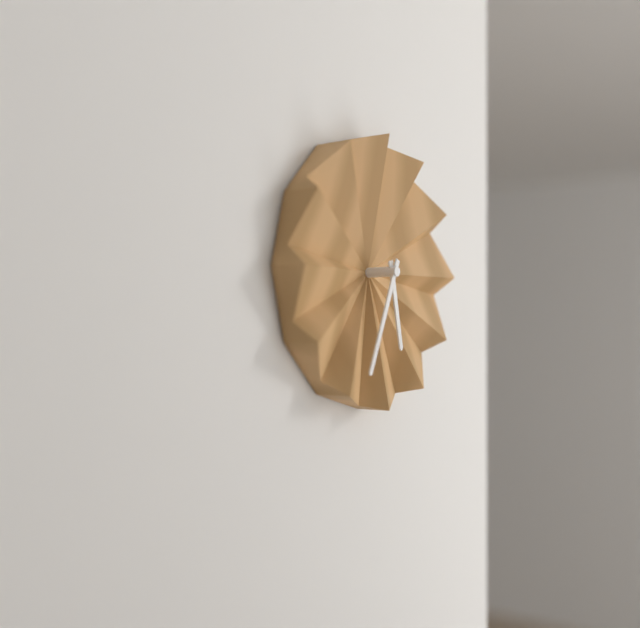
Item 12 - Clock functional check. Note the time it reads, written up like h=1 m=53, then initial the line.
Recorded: h=5 m=34
